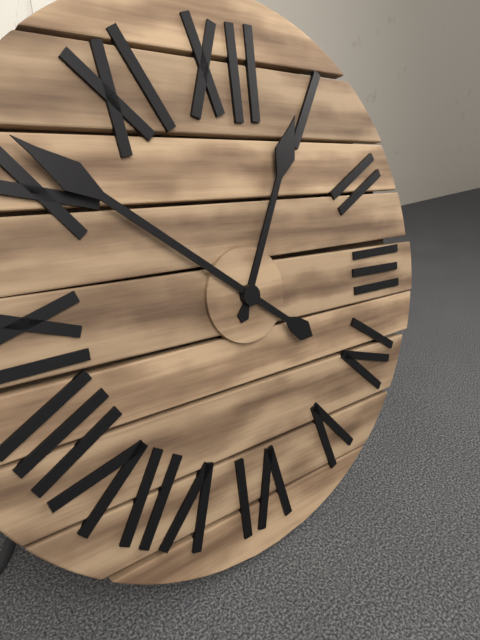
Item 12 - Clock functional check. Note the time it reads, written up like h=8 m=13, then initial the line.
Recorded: h=12 m=51
